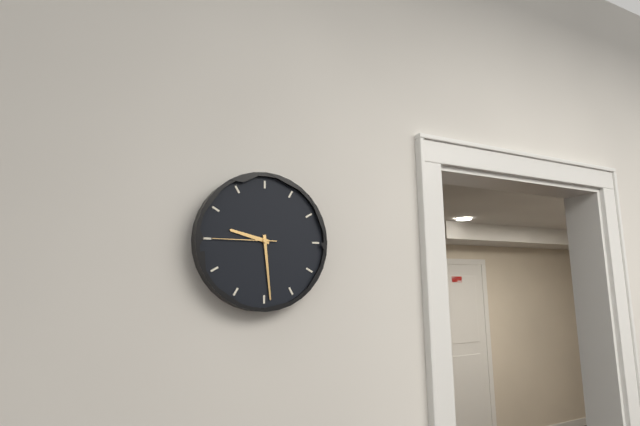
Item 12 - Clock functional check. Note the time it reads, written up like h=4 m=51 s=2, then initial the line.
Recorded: h=9 m=29 s=45
